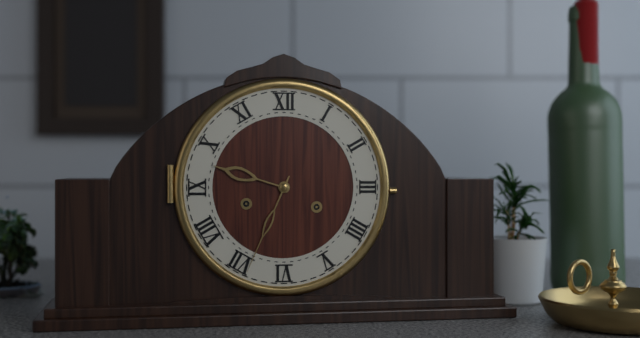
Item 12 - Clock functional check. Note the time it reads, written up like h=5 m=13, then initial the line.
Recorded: h=9 m=34
